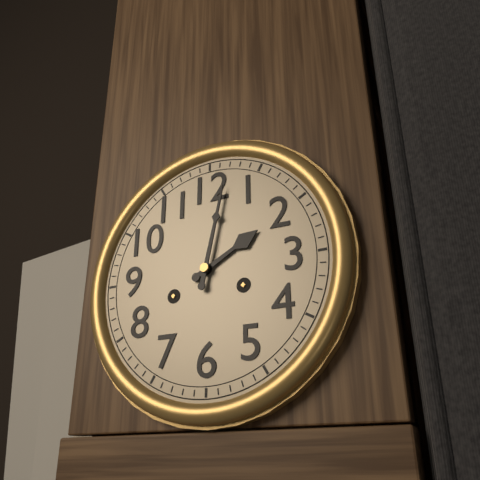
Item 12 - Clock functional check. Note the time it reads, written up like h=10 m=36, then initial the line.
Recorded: h=2 m=2
